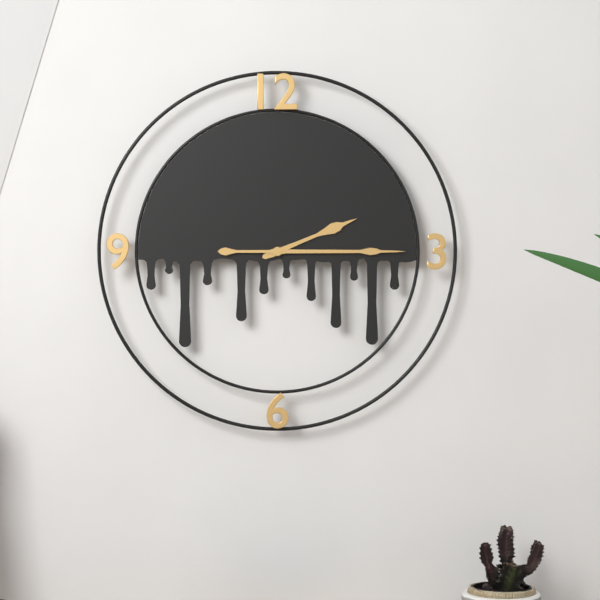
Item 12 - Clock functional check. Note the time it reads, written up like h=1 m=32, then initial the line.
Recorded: h=2 m=15
